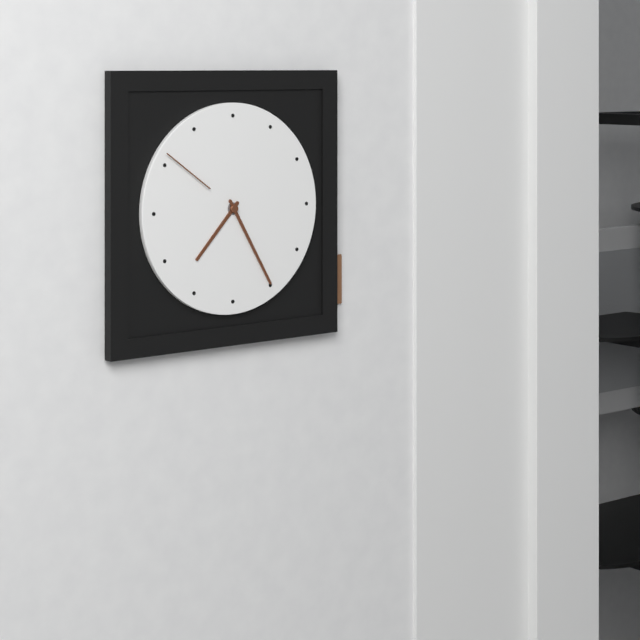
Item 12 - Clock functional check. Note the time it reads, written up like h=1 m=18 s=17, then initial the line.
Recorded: h=7 m=25 s=51
